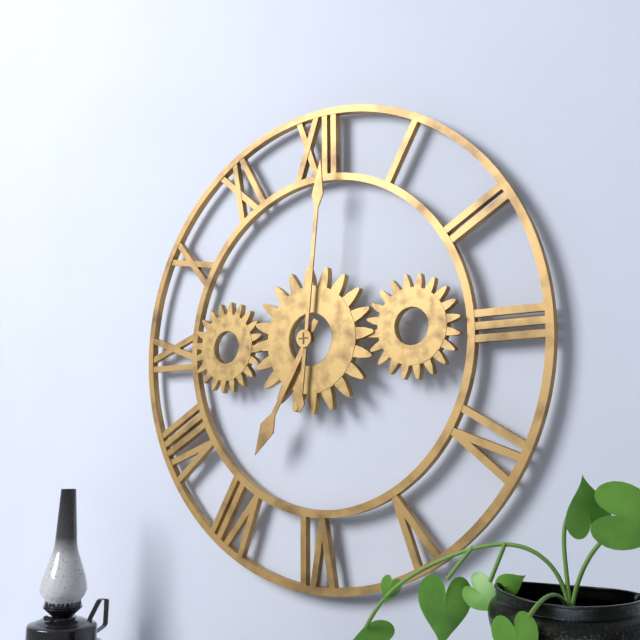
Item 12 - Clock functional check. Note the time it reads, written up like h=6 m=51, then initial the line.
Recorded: h=7 m=1
